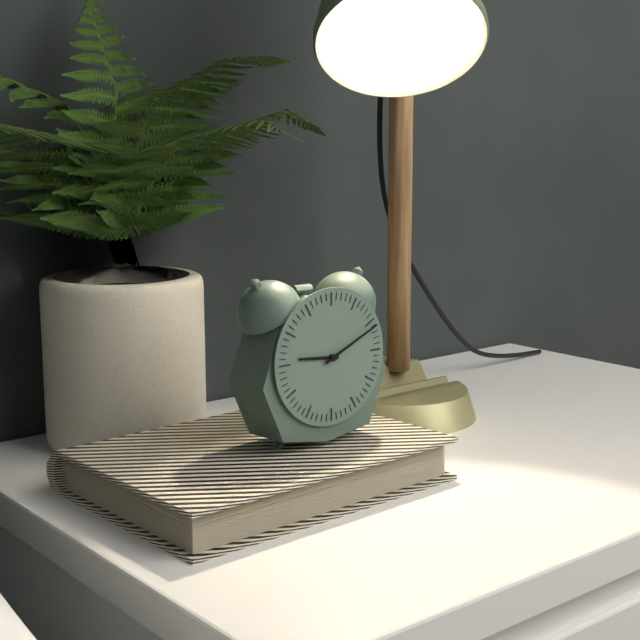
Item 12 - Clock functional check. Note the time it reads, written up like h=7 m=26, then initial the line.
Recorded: h=9 m=11
